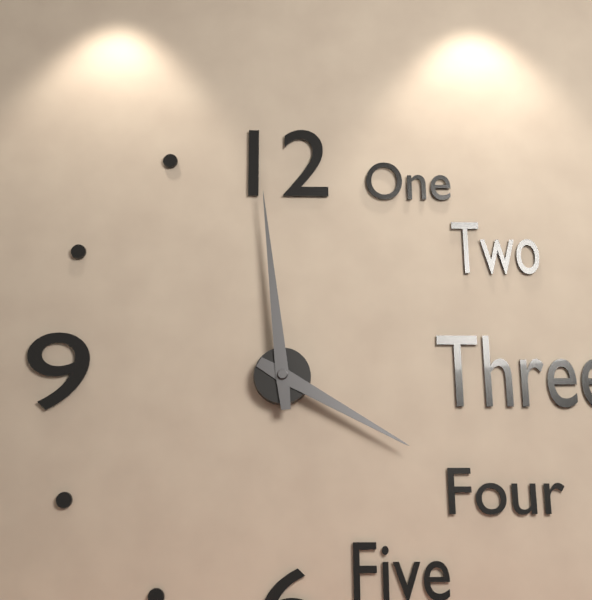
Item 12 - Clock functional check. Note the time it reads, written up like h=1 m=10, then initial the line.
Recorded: h=3 m=59
